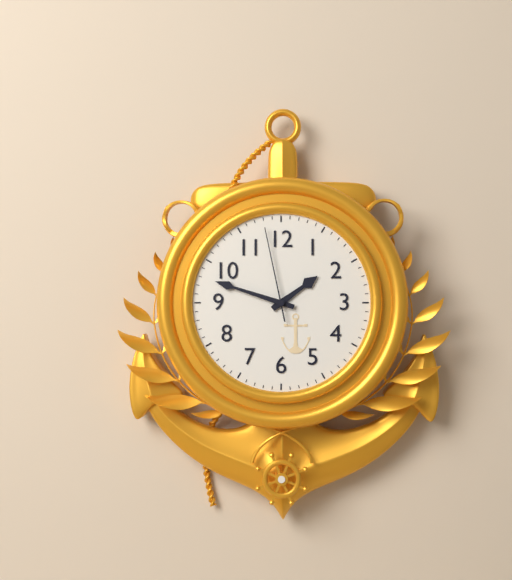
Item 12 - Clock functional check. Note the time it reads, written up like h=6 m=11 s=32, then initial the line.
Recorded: h=1 m=48 s=58
